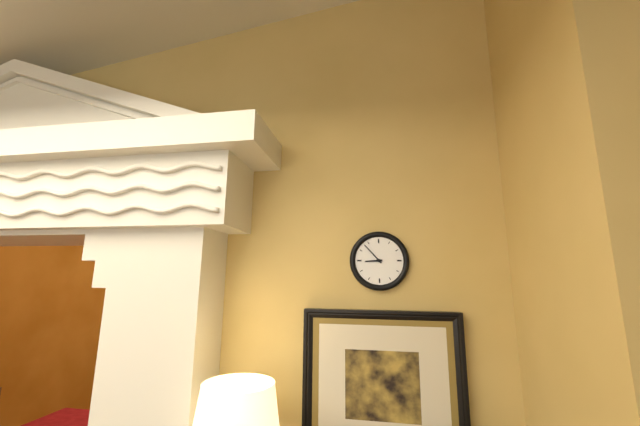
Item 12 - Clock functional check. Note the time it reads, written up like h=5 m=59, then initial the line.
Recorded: h=8 m=53
